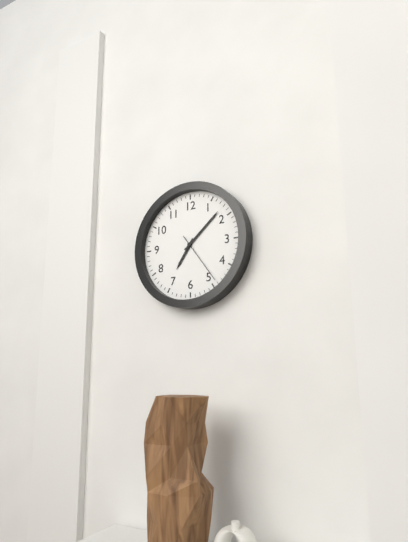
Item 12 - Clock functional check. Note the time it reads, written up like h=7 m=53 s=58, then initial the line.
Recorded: h=7 m=8 s=24
